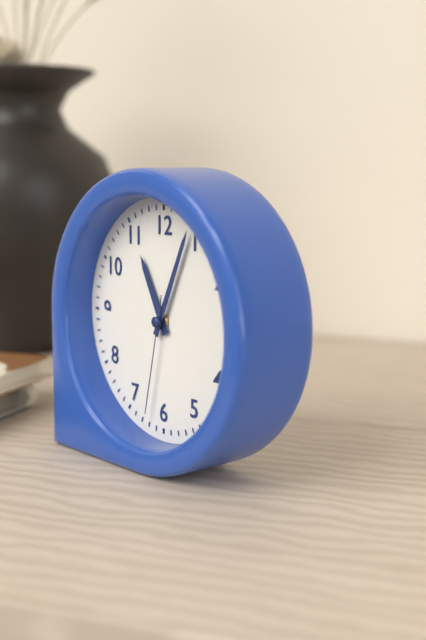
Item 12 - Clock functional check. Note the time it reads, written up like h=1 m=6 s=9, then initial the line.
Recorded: h=11 m=4 s=32
